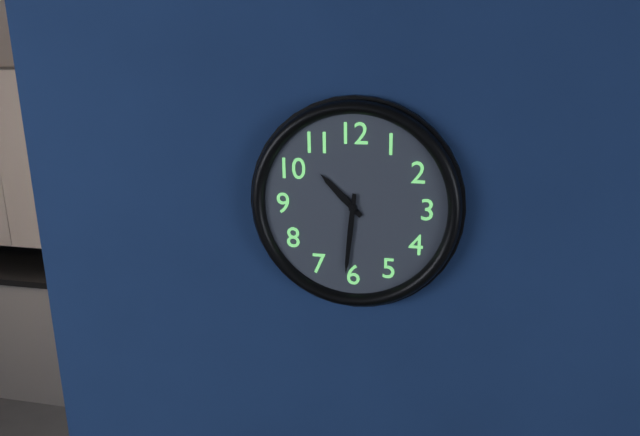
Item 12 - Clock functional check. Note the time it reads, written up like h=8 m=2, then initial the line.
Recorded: h=10 m=31
